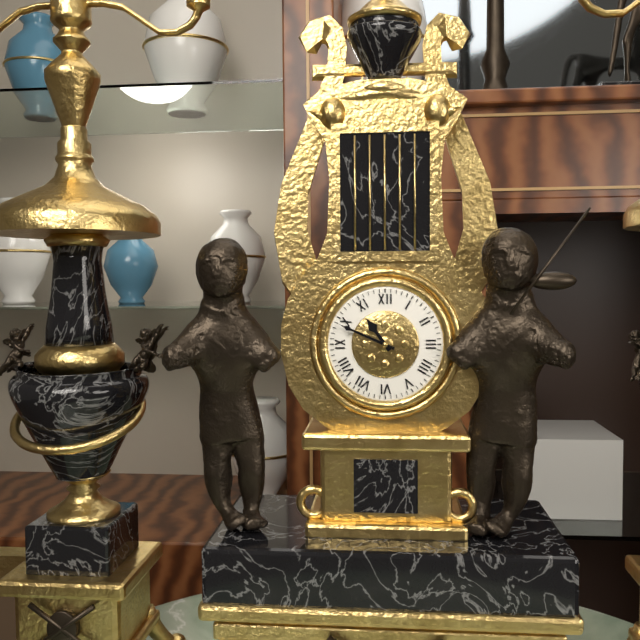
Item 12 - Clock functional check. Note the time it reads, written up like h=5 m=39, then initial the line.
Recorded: h=10 m=49
